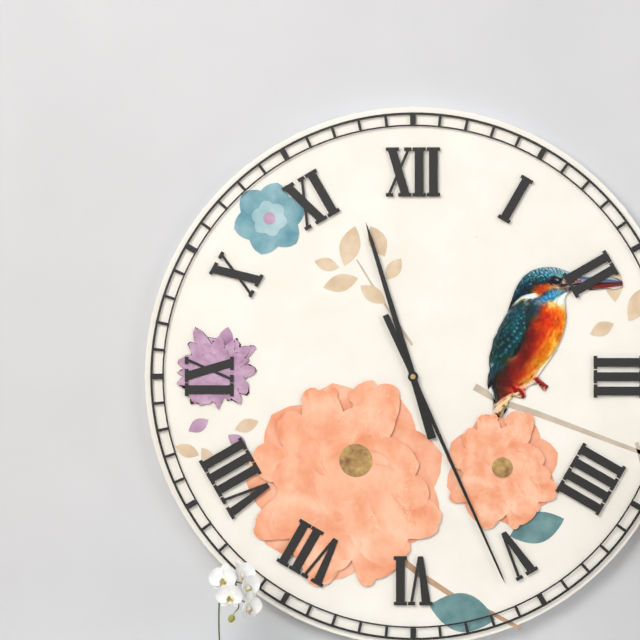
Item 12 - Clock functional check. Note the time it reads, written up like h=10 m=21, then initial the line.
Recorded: h=11 m=26
